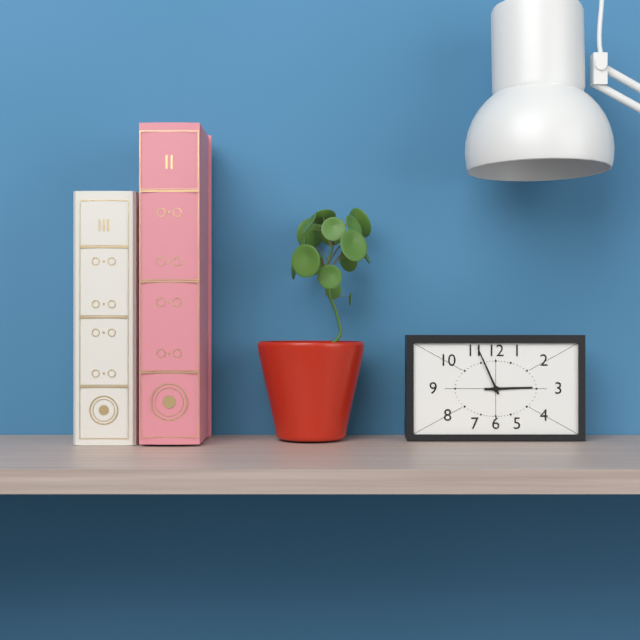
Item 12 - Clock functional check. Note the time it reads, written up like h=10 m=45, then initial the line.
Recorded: h=2 m=56
